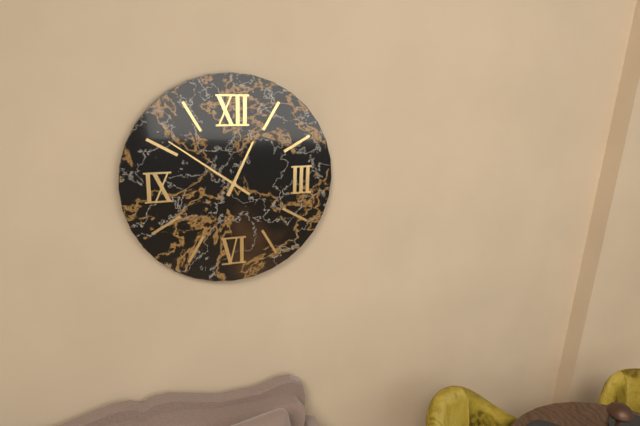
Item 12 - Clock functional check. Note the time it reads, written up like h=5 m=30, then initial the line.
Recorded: h=12 m=51
